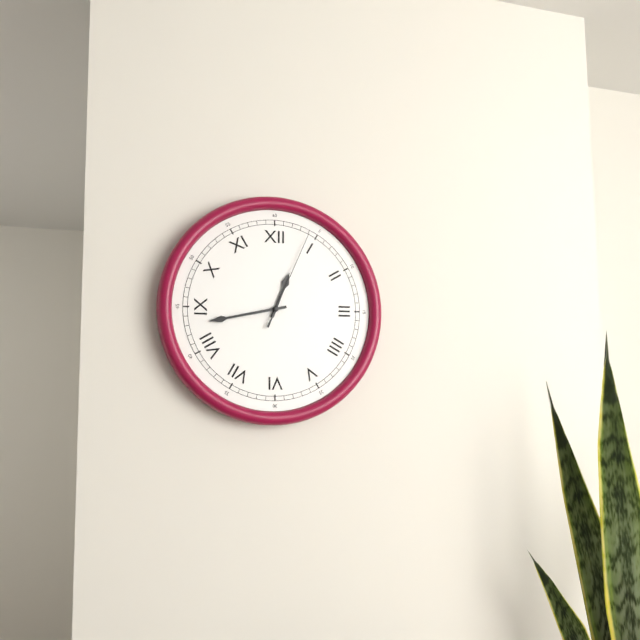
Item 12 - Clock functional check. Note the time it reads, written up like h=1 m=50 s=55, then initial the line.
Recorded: h=12 m=43 s=4
